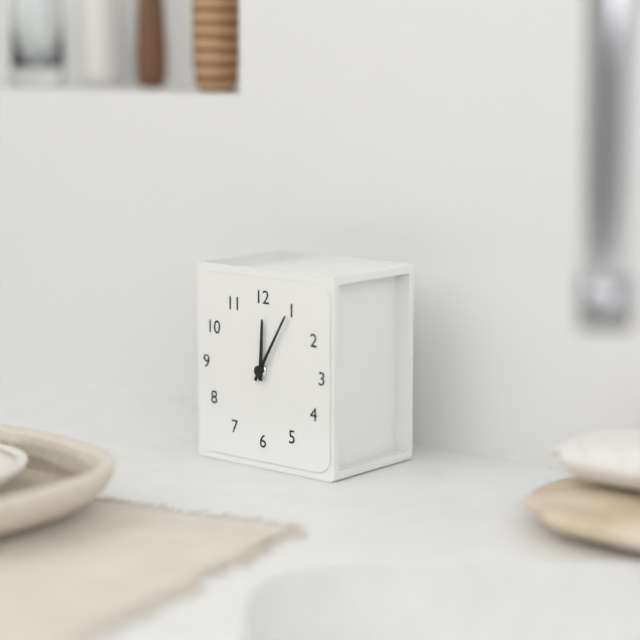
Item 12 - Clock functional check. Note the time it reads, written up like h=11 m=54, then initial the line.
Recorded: h=12 m=5
